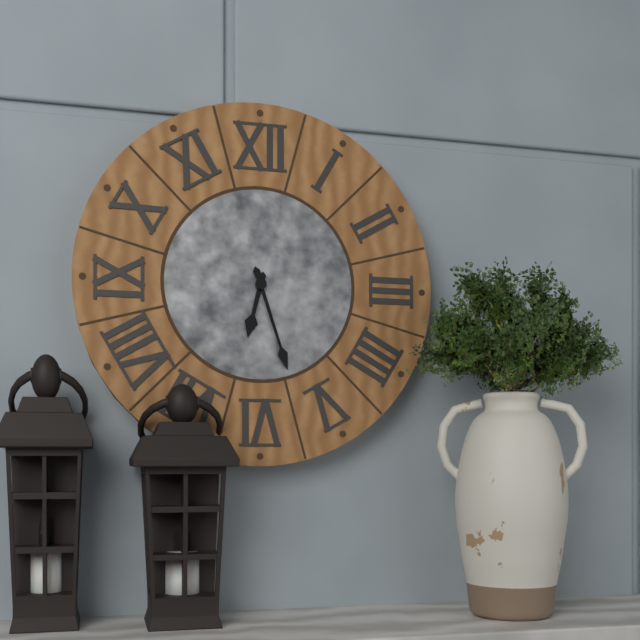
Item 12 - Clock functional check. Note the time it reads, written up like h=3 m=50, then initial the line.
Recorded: h=6 m=27
